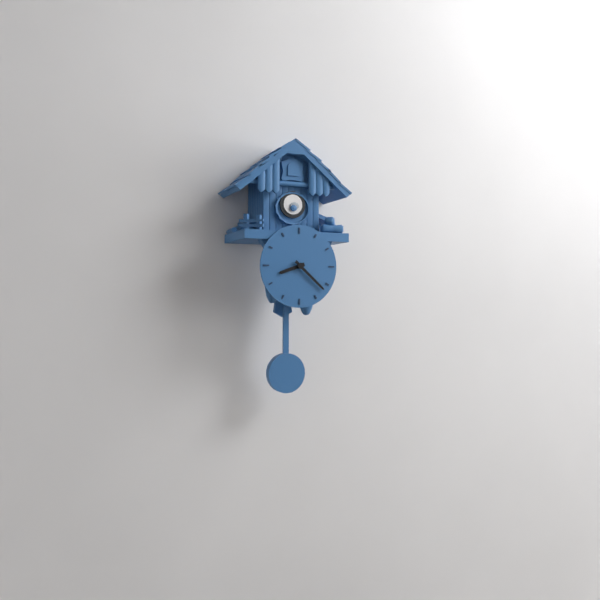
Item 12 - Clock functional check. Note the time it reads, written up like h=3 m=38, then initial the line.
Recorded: h=8 m=22
